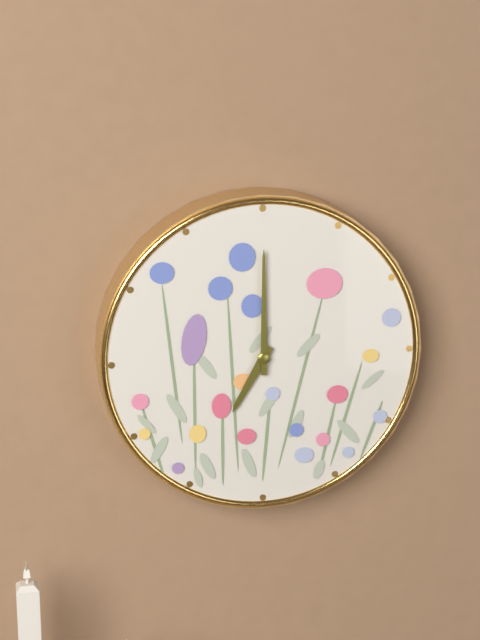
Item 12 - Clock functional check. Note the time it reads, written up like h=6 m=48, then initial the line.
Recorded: h=7 m=0
